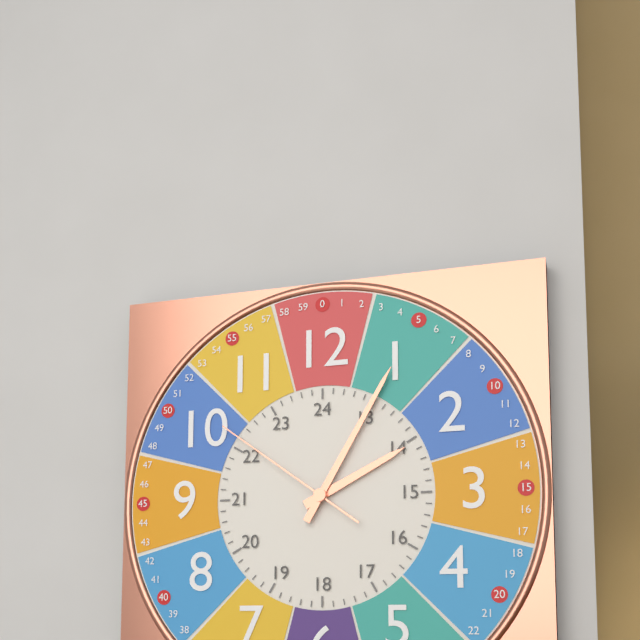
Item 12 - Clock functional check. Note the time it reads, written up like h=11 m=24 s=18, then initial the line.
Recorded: h=2 m=5 s=51
